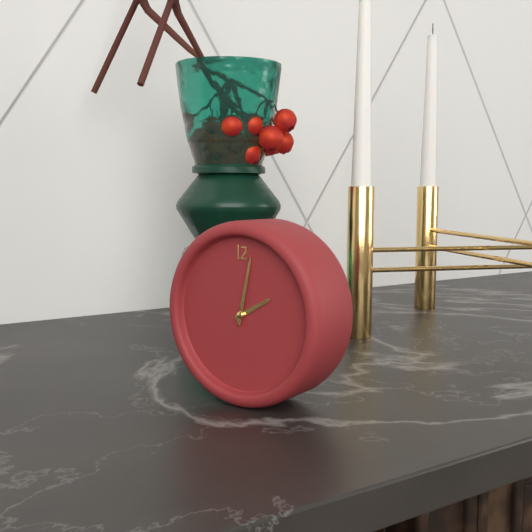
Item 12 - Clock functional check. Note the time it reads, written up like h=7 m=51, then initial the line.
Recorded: h=2 m=2
